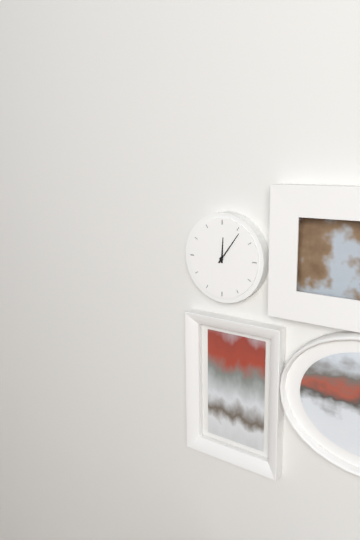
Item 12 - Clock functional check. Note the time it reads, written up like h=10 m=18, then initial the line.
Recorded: h=12 m=6
